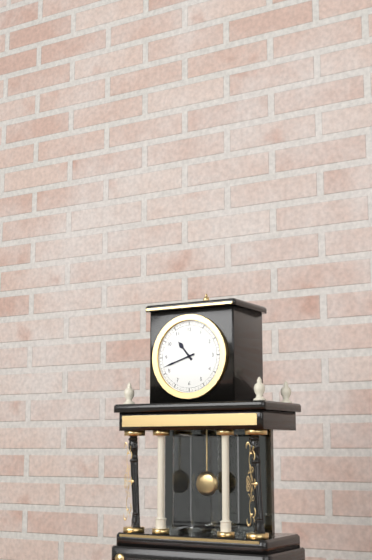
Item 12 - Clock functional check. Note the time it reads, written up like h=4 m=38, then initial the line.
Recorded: h=10 m=42
